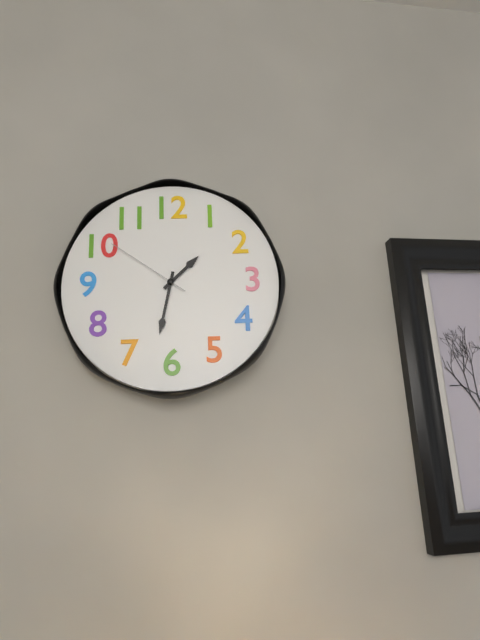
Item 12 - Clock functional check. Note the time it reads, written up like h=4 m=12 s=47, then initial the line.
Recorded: h=1 m=32 s=51
